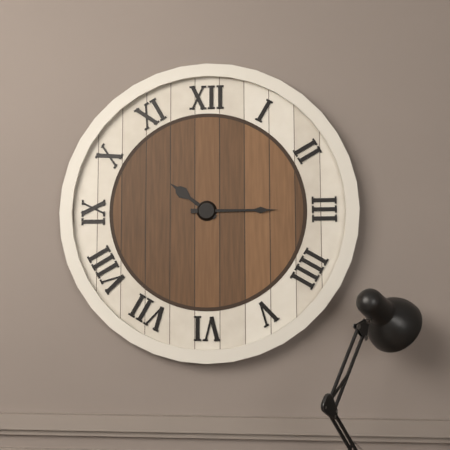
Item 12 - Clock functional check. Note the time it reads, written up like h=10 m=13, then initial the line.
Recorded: h=10 m=15
